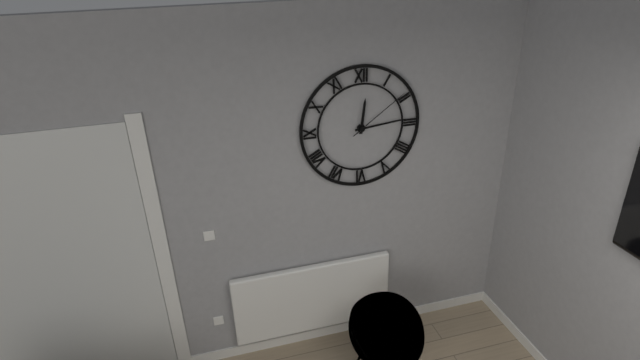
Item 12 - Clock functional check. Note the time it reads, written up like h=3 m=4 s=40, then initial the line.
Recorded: h=12 m=14 s=9
